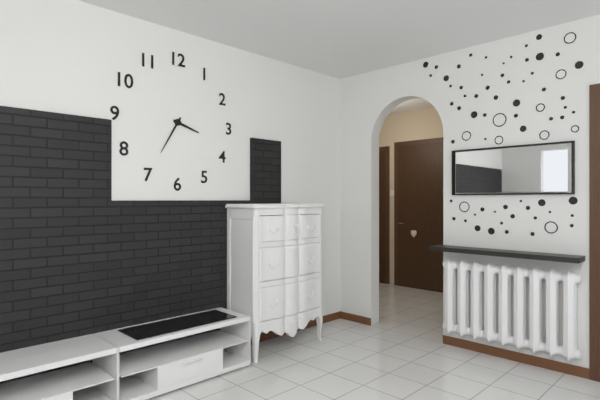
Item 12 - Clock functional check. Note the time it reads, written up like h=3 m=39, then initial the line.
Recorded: h=3 m=35
